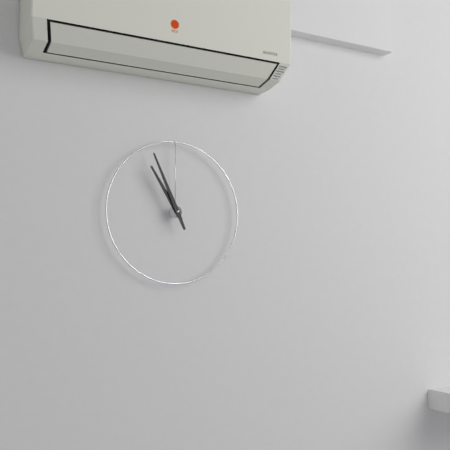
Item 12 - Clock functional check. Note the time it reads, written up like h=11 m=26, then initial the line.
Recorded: h=10 m=56
